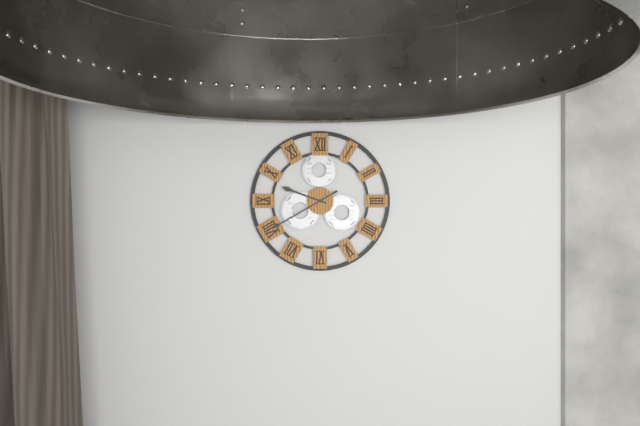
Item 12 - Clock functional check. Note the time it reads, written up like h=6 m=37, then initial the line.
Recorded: h=9 m=40
